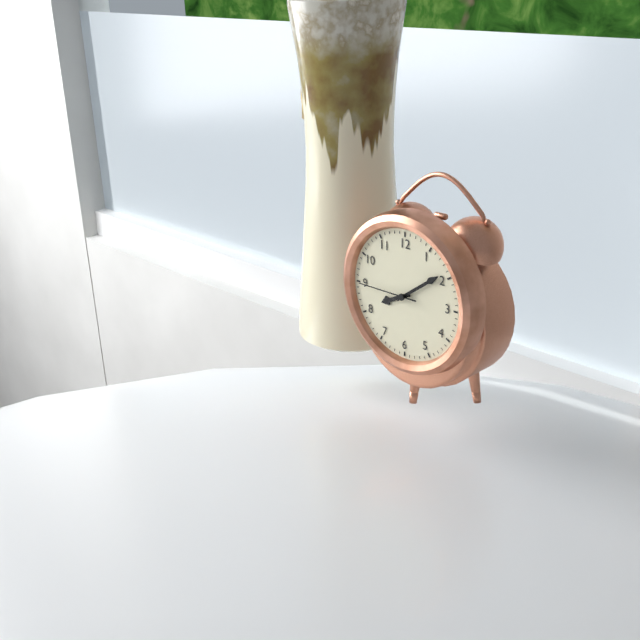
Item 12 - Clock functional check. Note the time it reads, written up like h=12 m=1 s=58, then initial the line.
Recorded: h=8 m=9 s=45
